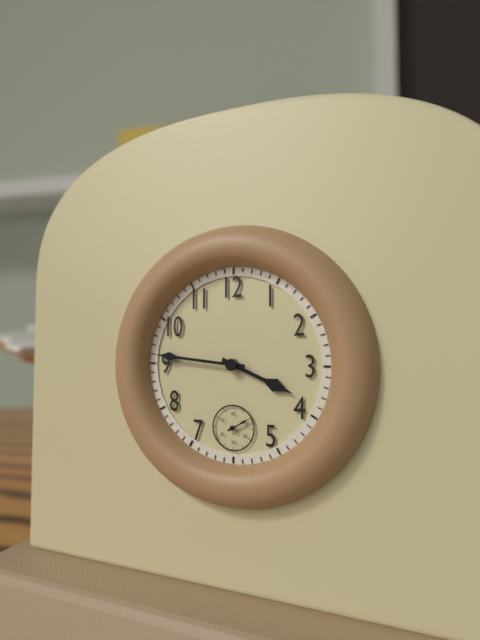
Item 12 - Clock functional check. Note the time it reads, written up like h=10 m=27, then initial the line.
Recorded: h=3 m=46
